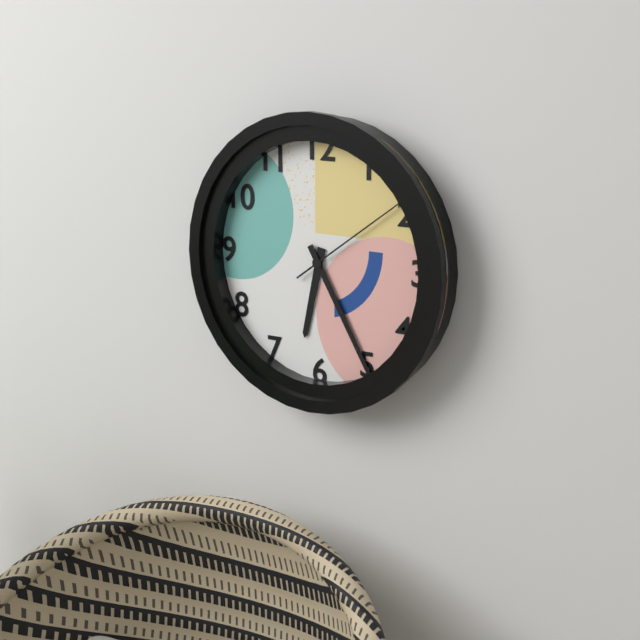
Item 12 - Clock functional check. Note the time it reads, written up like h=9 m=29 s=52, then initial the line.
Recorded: h=6 m=25 s=9
